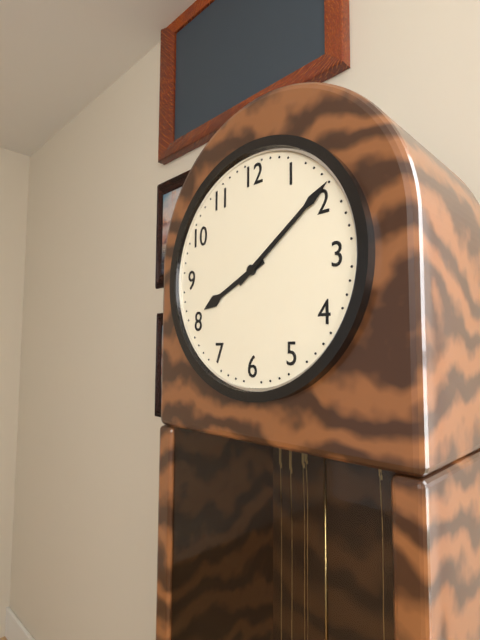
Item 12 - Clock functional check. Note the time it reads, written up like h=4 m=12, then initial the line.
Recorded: h=8 m=9
